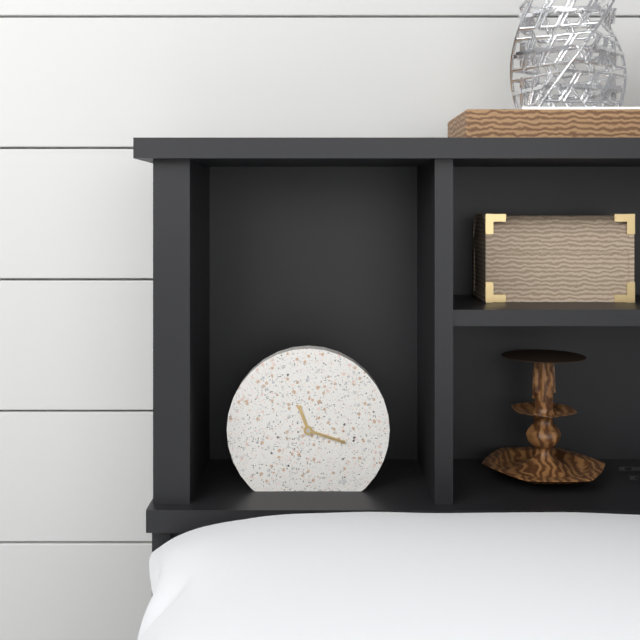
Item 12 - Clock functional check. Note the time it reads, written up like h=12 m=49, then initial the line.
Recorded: h=11 m=18
